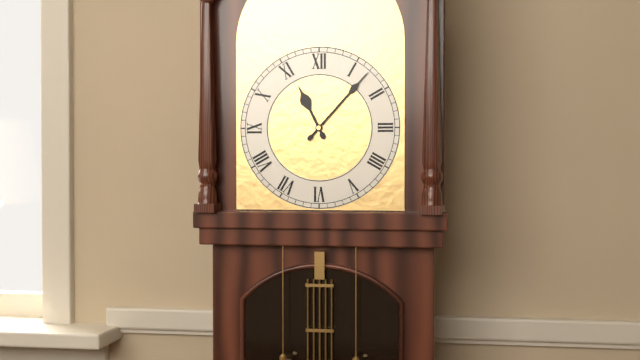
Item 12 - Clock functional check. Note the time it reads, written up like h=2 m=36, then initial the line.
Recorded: h=11 m=7
